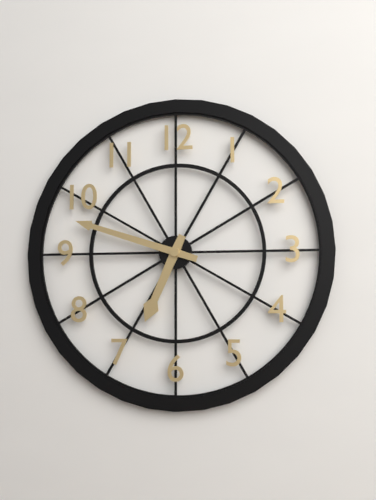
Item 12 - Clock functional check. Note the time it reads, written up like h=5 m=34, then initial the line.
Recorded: h=6 m=48
